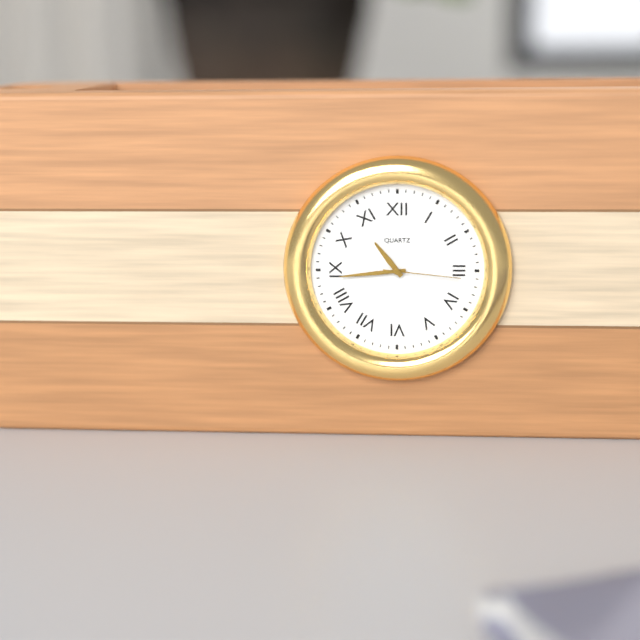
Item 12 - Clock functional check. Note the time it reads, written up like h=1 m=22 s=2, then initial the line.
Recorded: h=10 m=44 s=16
